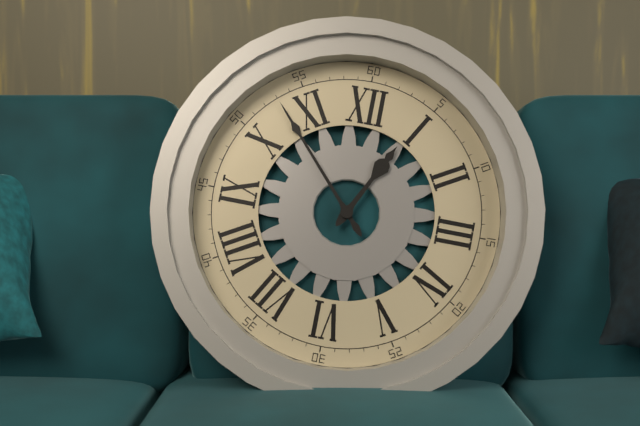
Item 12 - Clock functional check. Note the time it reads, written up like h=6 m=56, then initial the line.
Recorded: h=12 m=53
